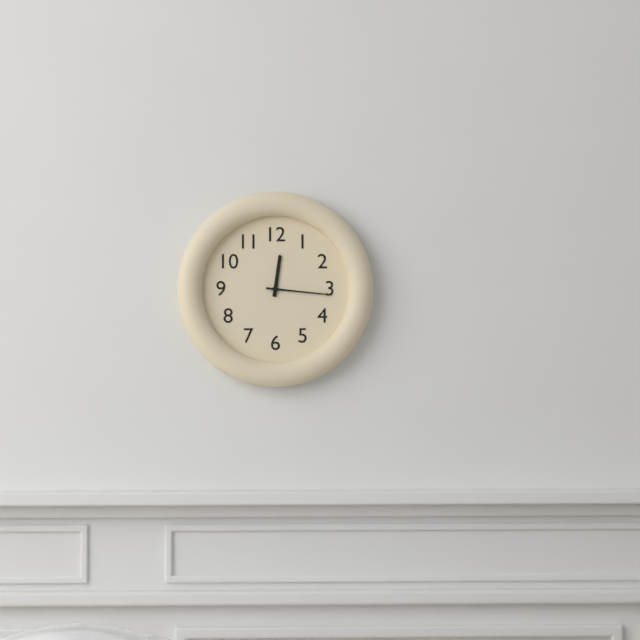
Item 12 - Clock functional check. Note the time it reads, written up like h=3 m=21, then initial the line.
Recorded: h=12 m=16
